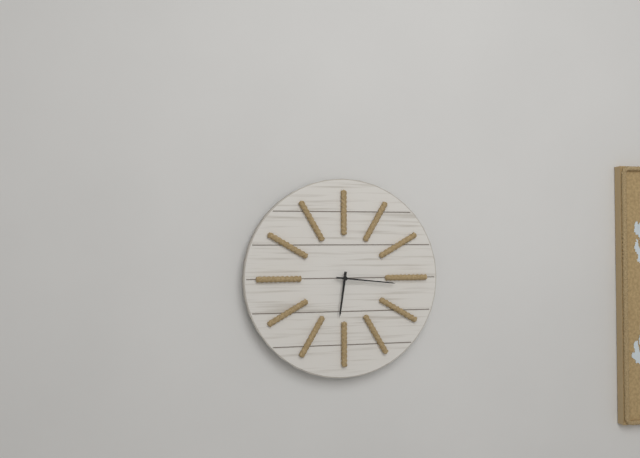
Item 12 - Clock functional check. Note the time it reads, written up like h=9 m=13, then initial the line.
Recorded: h=6 m=16
